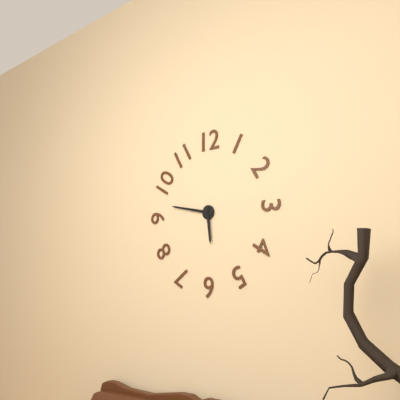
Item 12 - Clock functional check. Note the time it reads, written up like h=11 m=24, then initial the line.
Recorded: h=5 m=47
